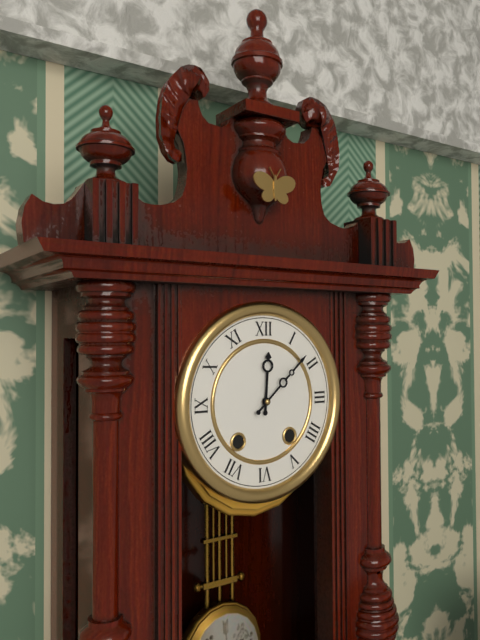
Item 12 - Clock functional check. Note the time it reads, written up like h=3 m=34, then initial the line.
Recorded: h=12 m=8
